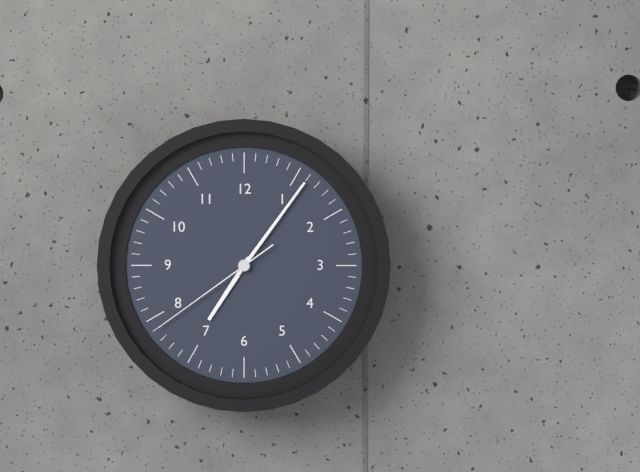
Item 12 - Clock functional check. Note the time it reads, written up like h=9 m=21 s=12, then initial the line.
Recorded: h=7 m=6 s=39
